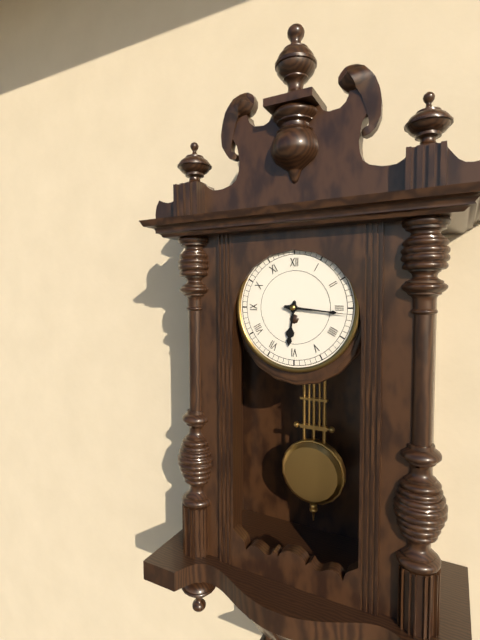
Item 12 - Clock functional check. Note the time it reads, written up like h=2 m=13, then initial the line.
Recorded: h=6 m=16
